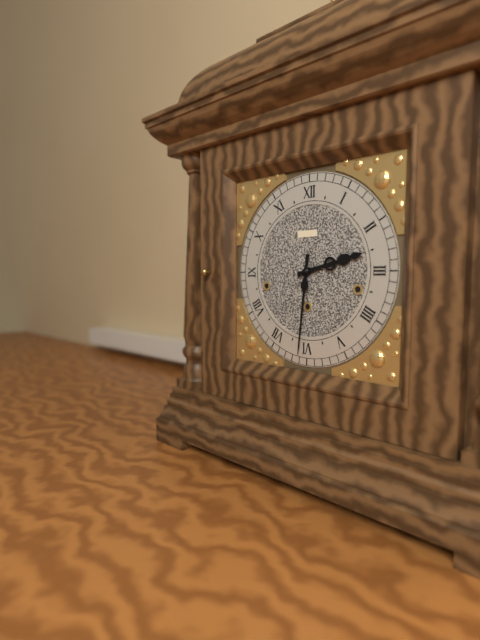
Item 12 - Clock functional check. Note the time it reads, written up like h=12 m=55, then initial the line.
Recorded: h=2 m=31
